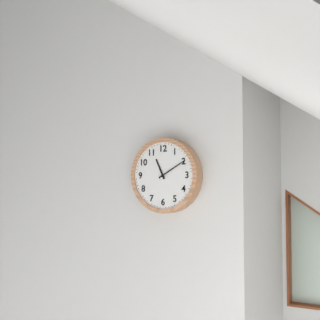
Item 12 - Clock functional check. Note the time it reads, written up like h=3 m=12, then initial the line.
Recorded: h=11 m=10
